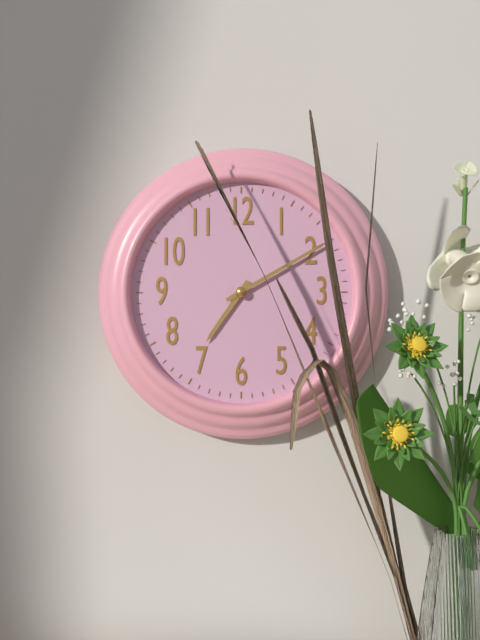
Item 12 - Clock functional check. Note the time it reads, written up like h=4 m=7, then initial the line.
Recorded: h=7 m=10
